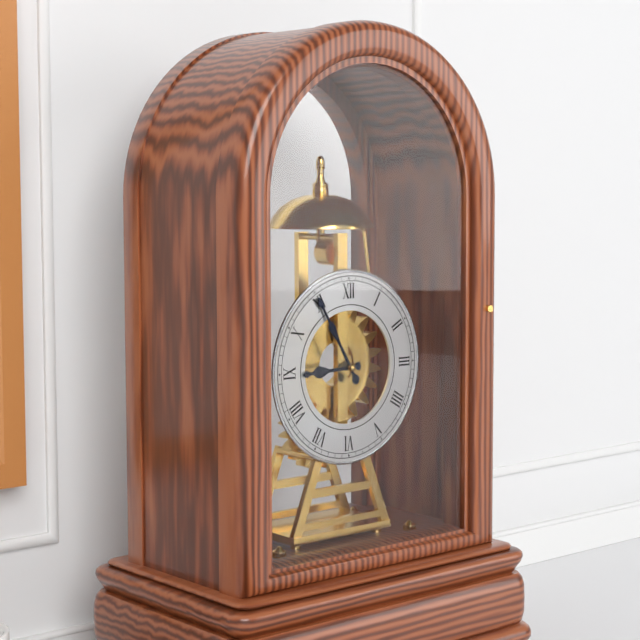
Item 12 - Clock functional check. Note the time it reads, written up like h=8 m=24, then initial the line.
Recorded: h=8 m=55
